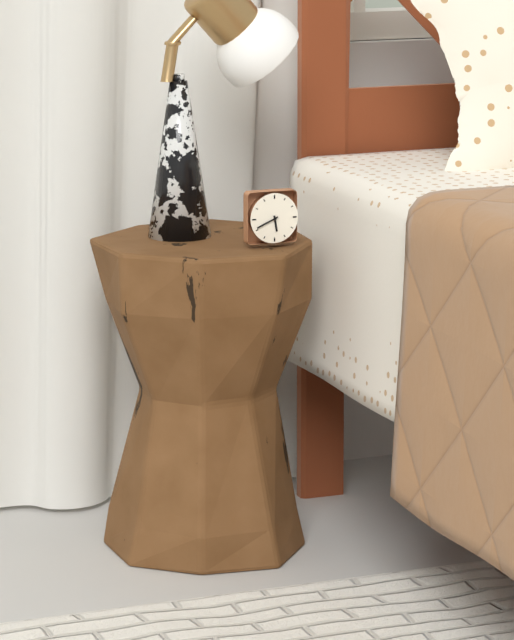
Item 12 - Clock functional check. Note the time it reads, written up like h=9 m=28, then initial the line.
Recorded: h=5 m=41
